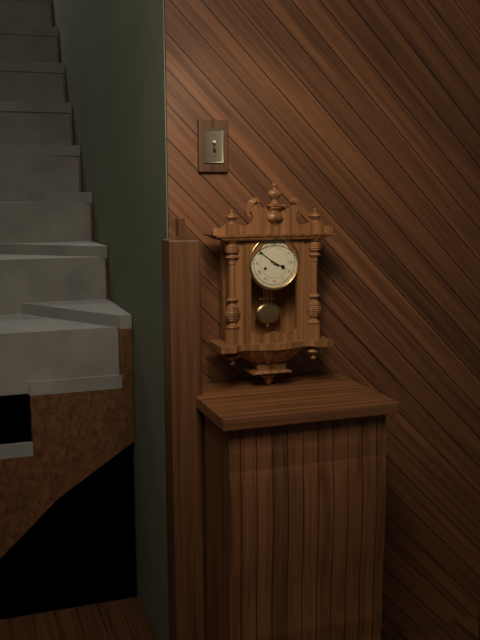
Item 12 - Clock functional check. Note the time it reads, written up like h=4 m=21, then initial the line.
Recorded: h=3 m=51
